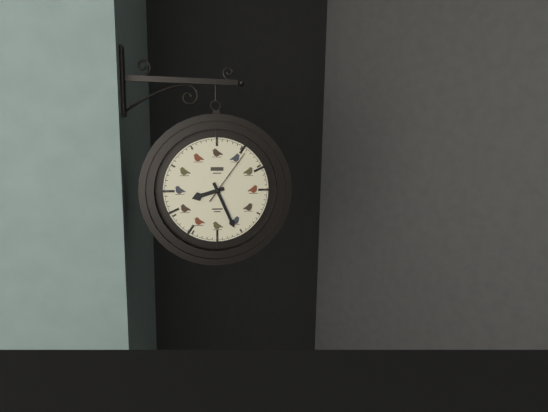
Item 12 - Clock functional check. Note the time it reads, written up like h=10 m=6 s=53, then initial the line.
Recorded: h=8 m=26 s=6
